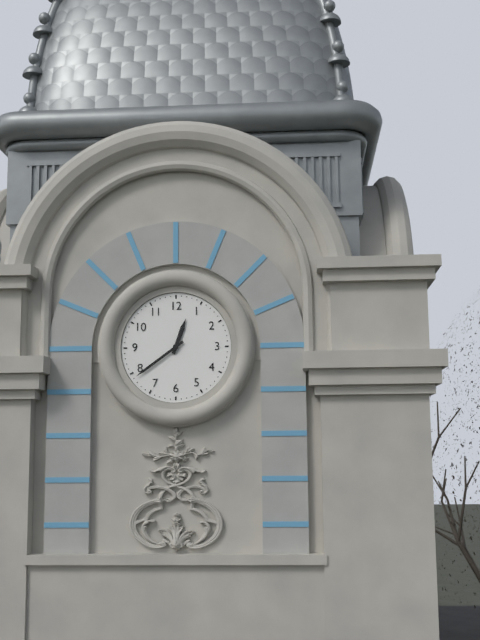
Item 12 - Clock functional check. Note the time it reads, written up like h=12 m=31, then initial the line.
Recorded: h=12 m=39
